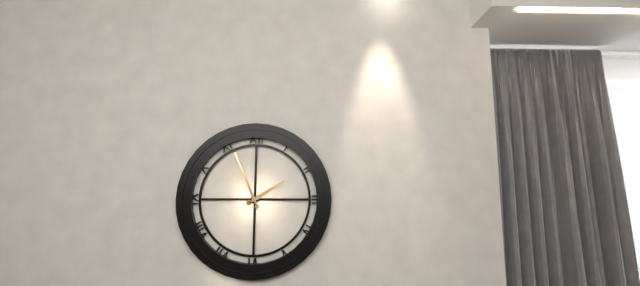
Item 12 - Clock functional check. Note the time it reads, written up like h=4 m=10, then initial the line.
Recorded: h=1 m=56
